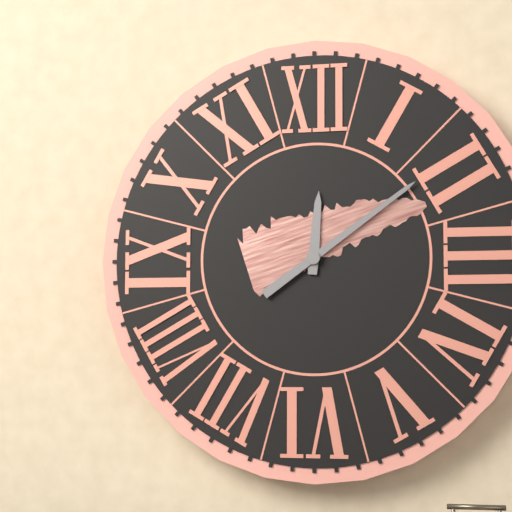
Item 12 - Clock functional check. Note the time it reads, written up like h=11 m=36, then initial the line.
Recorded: h=12 m=9
